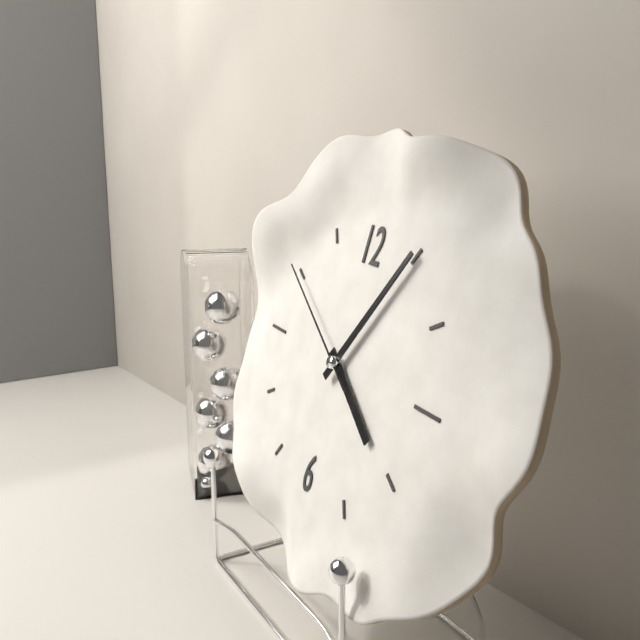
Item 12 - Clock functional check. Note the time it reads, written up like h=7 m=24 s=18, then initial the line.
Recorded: h=4 m=5 s=50
